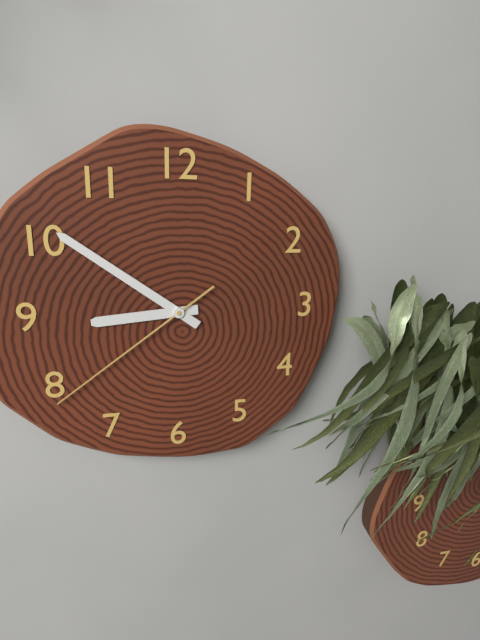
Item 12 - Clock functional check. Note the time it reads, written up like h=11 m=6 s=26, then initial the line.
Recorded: h=8 m=51 s=39
